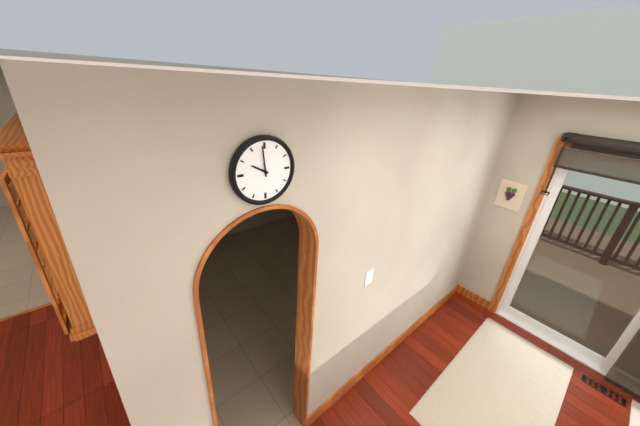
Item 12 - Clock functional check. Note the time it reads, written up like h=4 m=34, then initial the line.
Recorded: h=9 m=59
